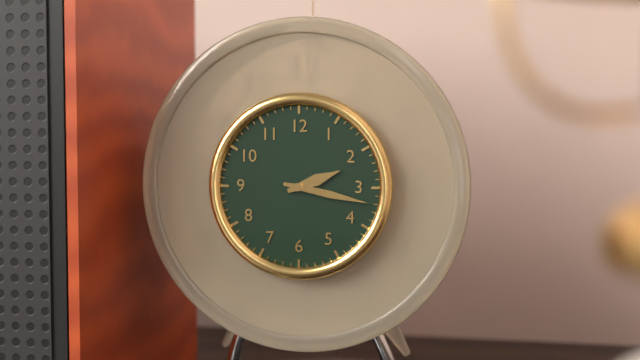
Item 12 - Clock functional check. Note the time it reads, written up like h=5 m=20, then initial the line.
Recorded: h=2 m=17
